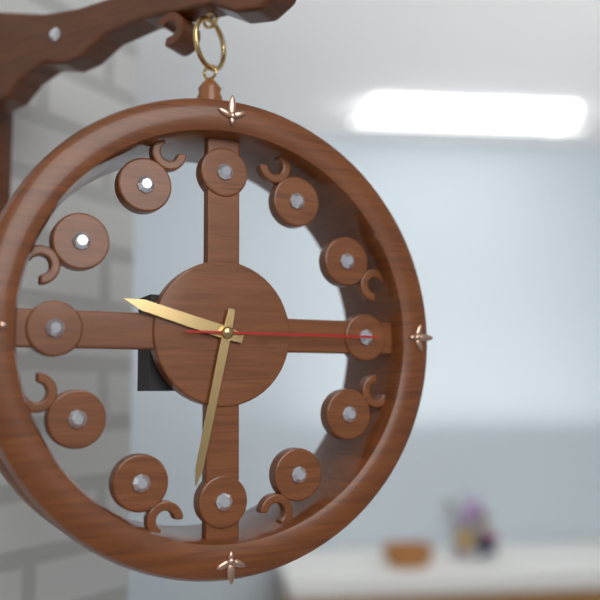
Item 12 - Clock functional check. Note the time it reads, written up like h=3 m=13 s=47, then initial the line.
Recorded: h=9 m=32 s=15
